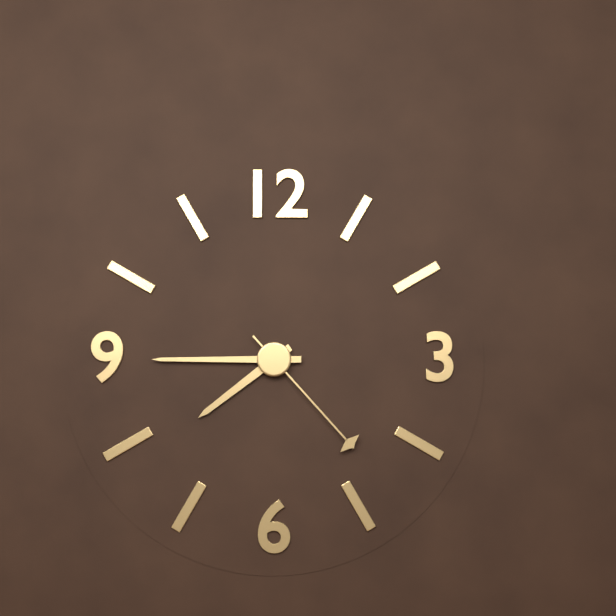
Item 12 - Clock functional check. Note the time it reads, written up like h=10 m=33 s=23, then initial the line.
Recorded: h=7 m=45 s=23
